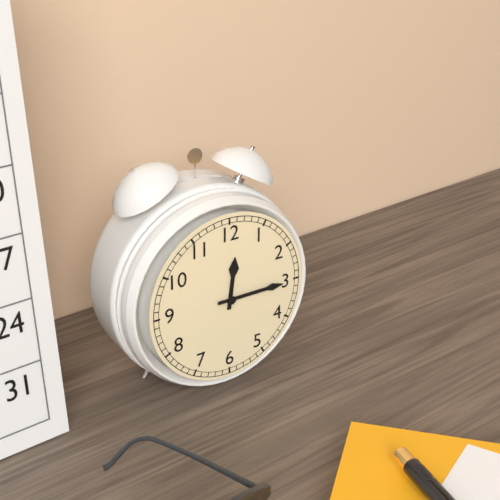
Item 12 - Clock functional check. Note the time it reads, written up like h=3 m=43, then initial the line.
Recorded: h=12 m=15
